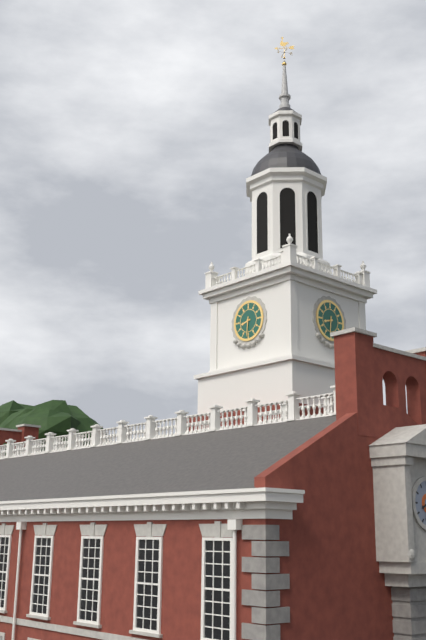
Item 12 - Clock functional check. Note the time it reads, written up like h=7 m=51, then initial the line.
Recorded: h=8 m=31
